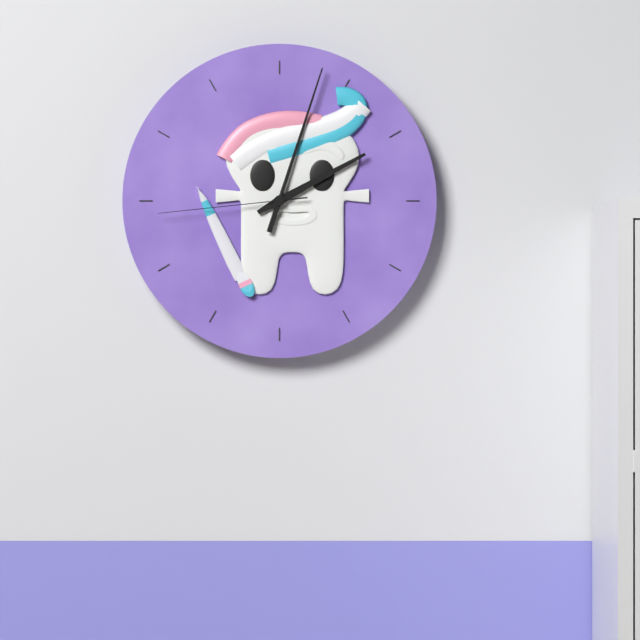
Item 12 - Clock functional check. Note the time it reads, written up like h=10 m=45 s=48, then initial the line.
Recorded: h=2 m=3 s=44
